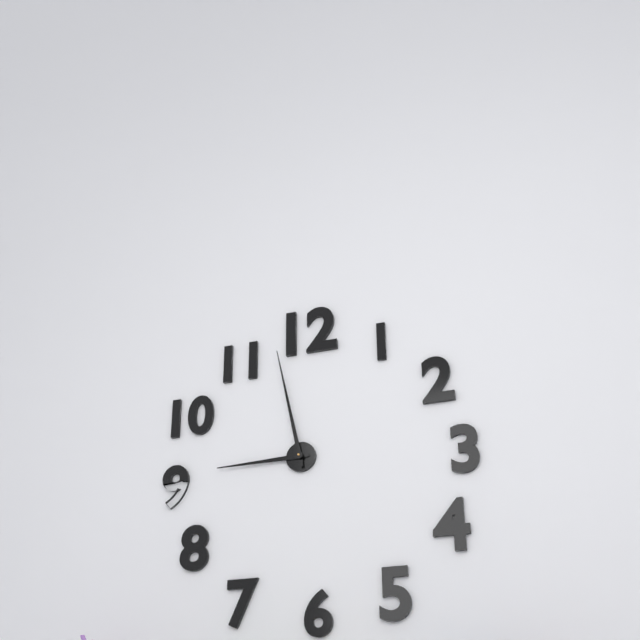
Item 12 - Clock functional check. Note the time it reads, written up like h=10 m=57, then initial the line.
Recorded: h=8 m=58
